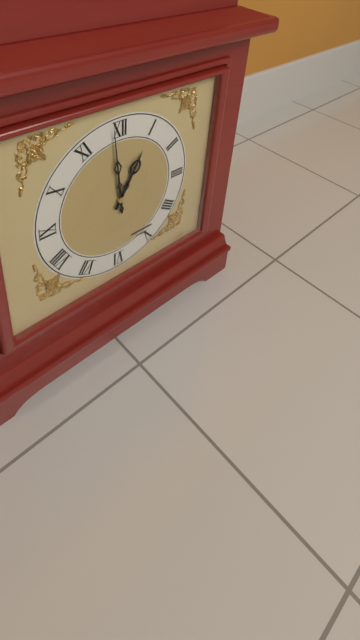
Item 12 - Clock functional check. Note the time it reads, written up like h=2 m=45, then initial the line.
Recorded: h=12 m=59
